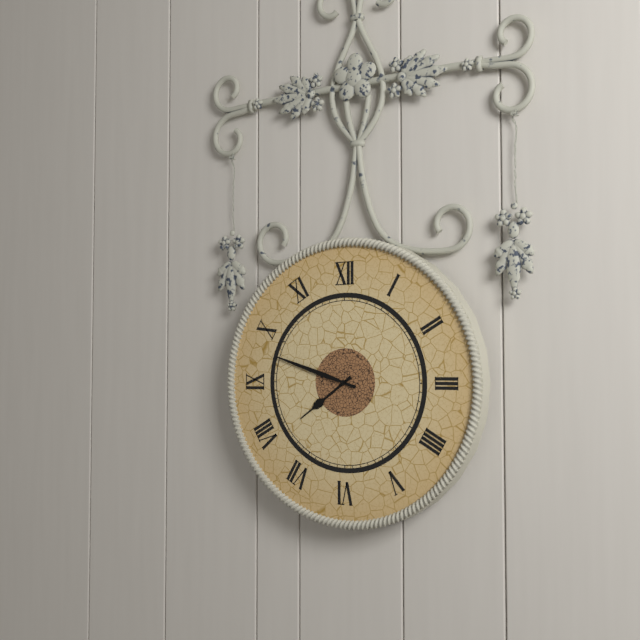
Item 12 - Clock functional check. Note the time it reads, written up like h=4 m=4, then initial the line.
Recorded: h=7 m=48
